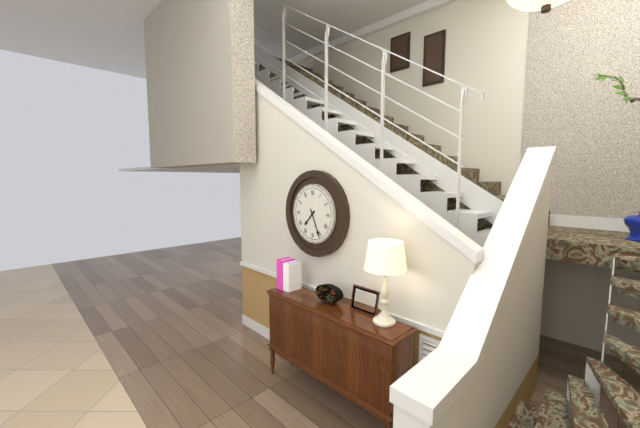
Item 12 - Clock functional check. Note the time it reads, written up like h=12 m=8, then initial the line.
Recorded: h=7 m=26
